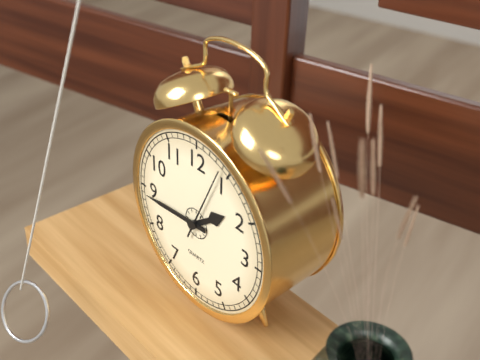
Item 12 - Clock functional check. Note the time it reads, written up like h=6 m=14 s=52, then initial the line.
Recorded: h=1 m=44 s=4
